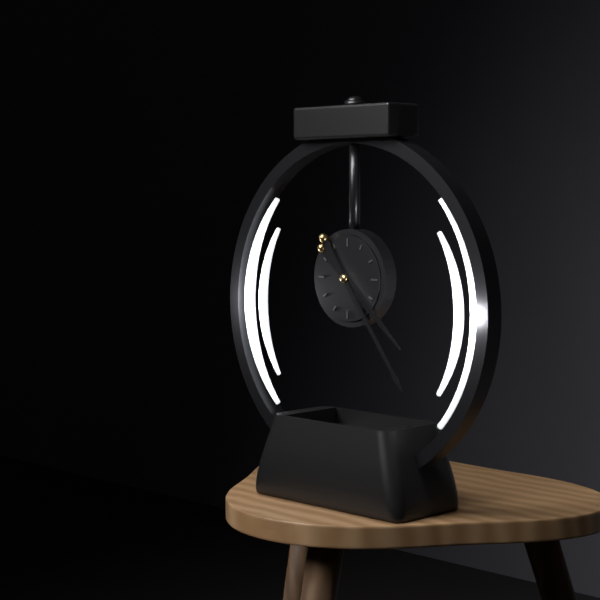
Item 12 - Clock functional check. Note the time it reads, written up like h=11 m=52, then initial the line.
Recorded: h=4 m=24
